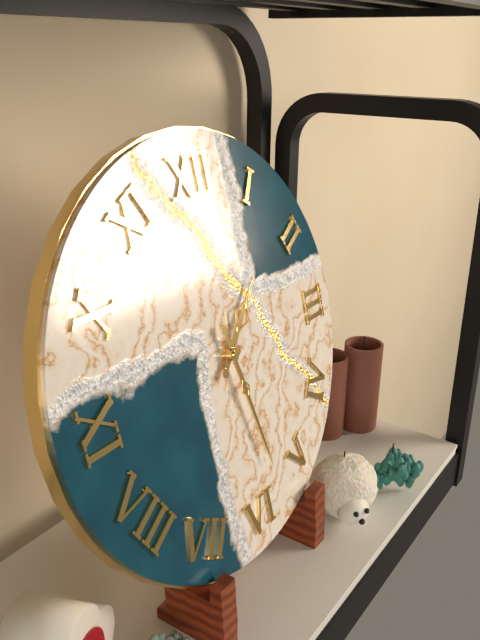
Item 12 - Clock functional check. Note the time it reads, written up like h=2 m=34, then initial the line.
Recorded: h=1 m=28
